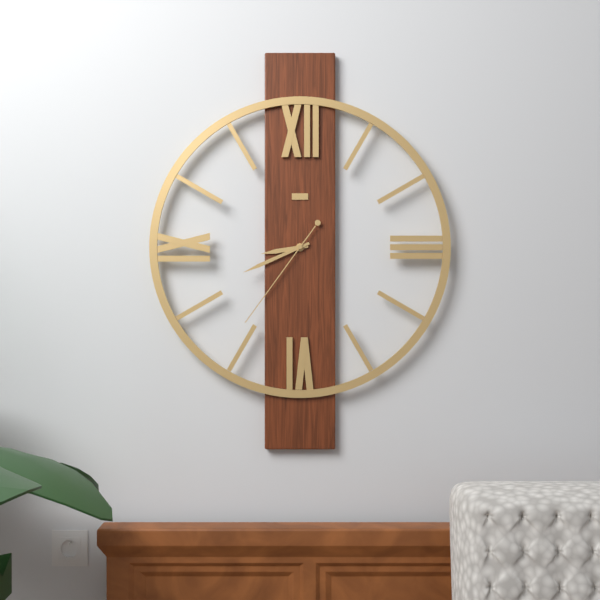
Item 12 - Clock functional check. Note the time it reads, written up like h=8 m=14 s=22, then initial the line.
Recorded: h=8 m=41 s=36
